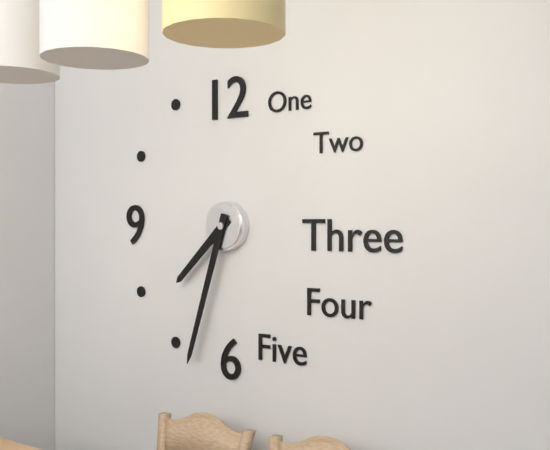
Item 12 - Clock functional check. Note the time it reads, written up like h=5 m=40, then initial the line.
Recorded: h=7 m=33
